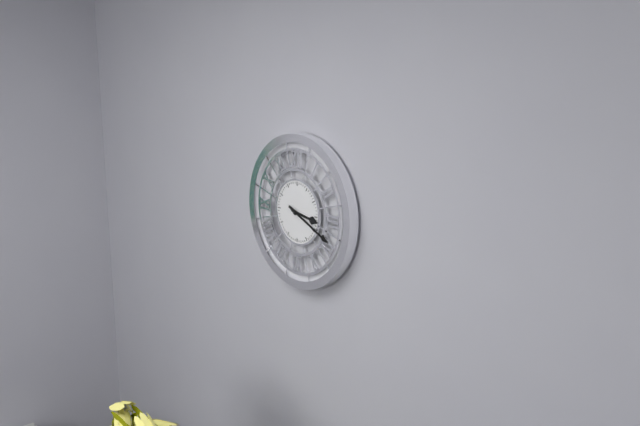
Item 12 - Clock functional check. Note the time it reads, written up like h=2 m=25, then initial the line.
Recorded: h=3 m=19
